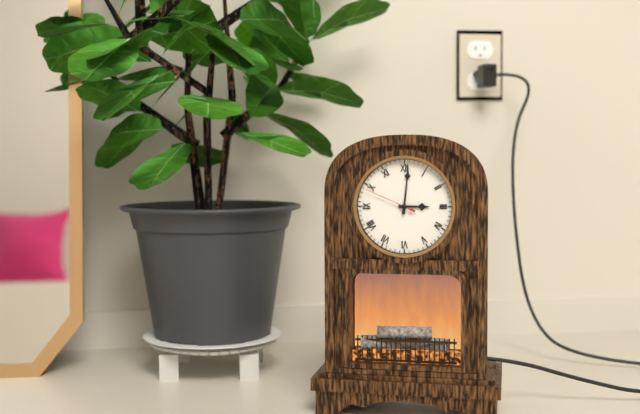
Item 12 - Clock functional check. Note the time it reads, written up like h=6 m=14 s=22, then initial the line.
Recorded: h=3 m=1 s=49
